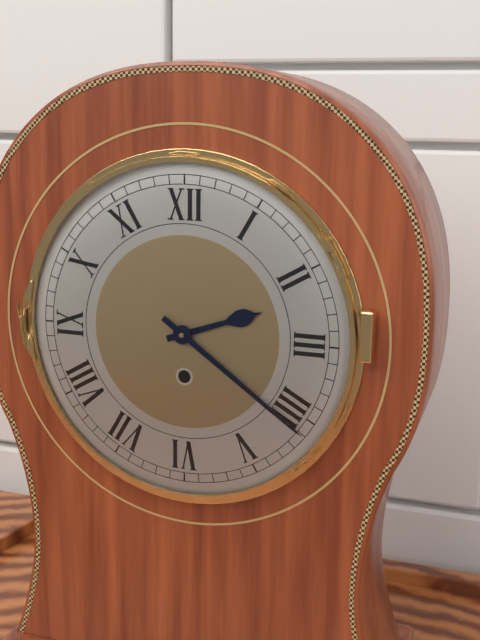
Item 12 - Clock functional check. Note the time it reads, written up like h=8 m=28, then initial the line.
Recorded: h=2 m=21
